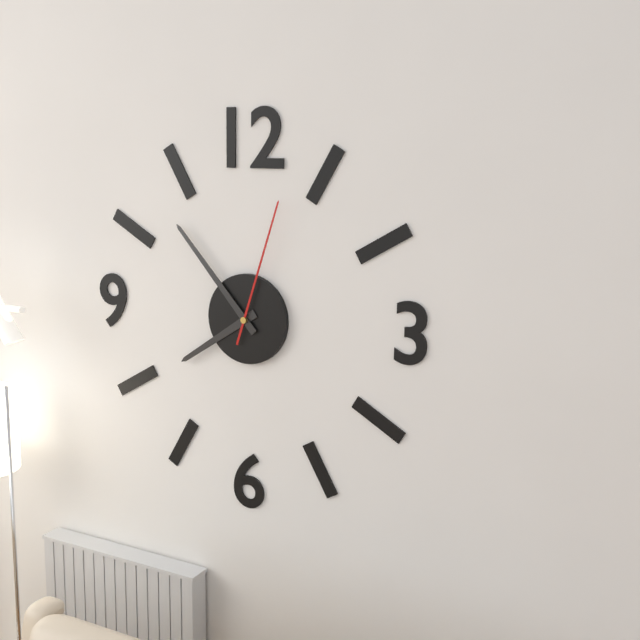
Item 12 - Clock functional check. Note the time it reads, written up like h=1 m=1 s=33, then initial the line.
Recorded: h=7 m=53 s=3
